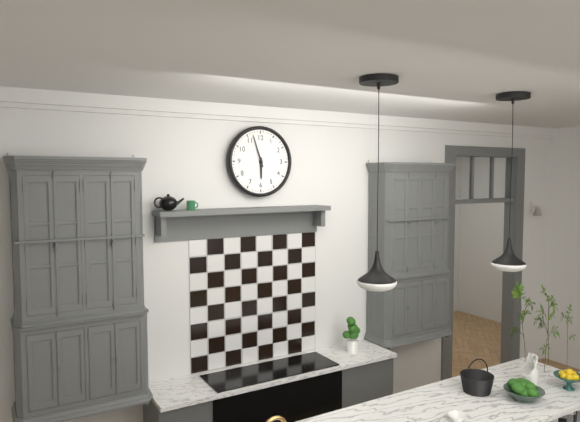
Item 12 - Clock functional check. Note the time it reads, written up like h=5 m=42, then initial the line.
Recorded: h=5 m=57
